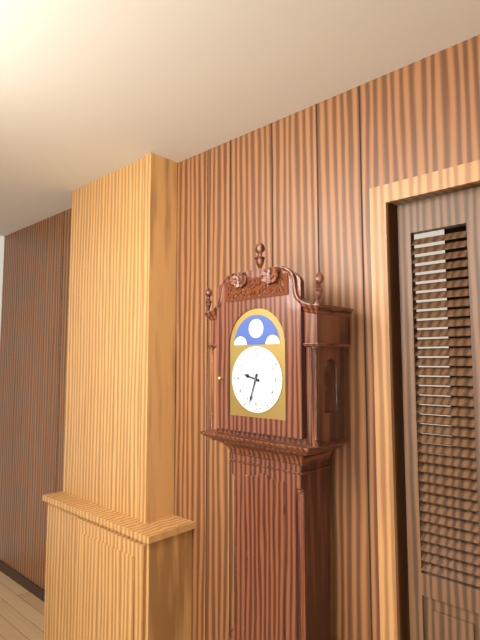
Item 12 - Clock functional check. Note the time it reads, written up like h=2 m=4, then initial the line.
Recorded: h=9 m=33
